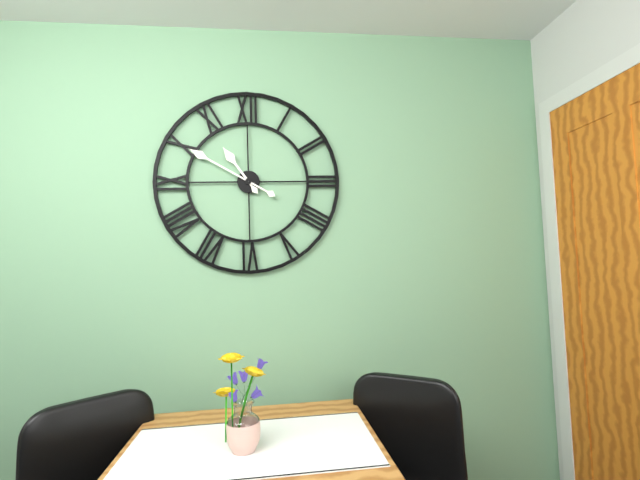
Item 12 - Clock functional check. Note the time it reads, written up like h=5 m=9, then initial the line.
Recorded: h=10 m=50
